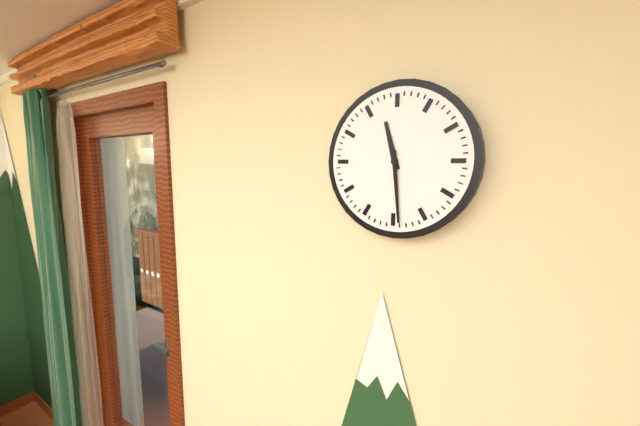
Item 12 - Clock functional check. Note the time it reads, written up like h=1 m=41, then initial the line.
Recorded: h=11 m=29
